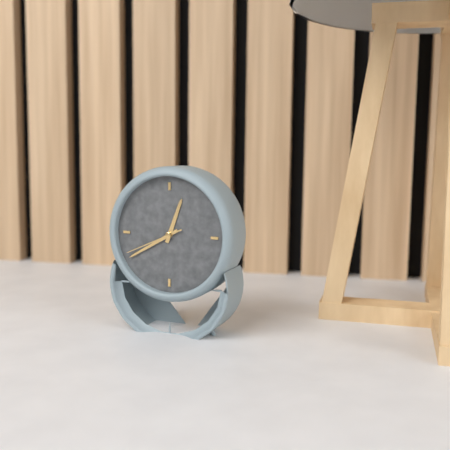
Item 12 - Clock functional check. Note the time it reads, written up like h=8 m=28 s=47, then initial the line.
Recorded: h=12 m=40 s=41
